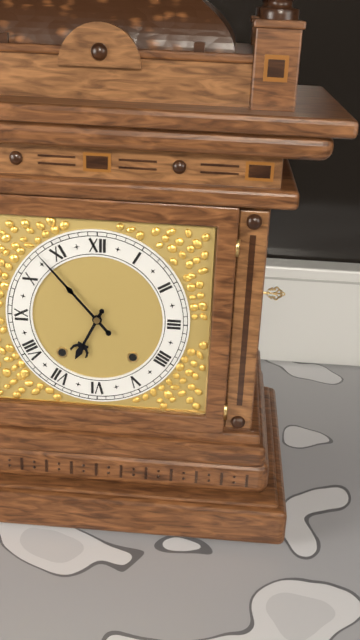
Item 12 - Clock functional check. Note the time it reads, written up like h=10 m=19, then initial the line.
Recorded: h=6 m=53
